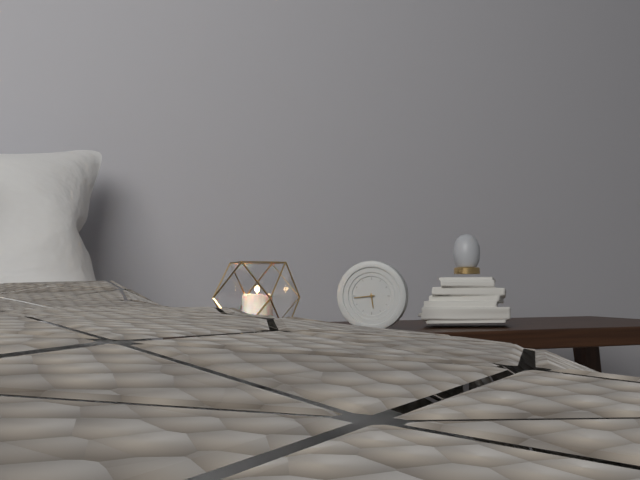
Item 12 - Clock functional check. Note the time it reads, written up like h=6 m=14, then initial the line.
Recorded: h=5 m=44
